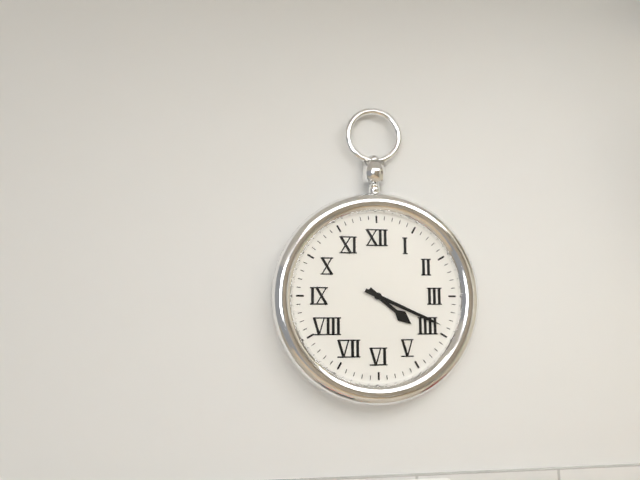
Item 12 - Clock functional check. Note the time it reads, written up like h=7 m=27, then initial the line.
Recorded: h=4 m=19
